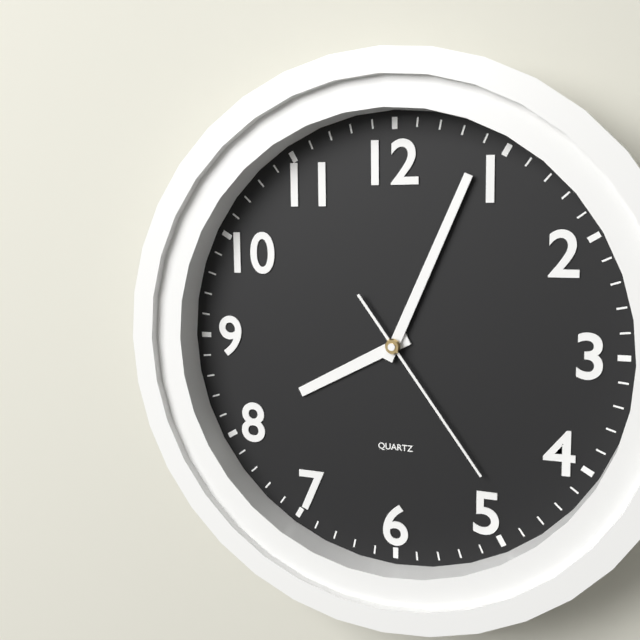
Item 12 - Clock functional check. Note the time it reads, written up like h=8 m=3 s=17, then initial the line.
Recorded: h=8 m=4 s=24
